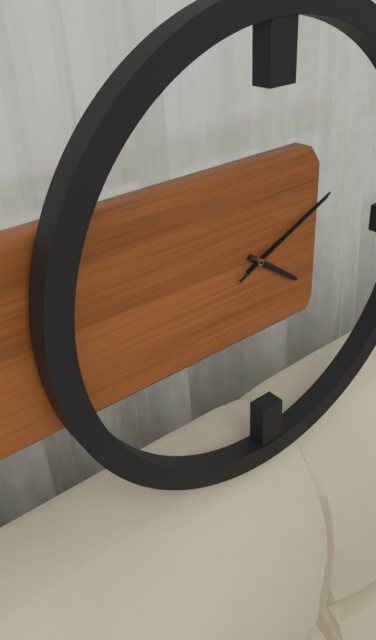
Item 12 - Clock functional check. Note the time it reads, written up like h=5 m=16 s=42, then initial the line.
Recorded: h=4 m=11 s=11
